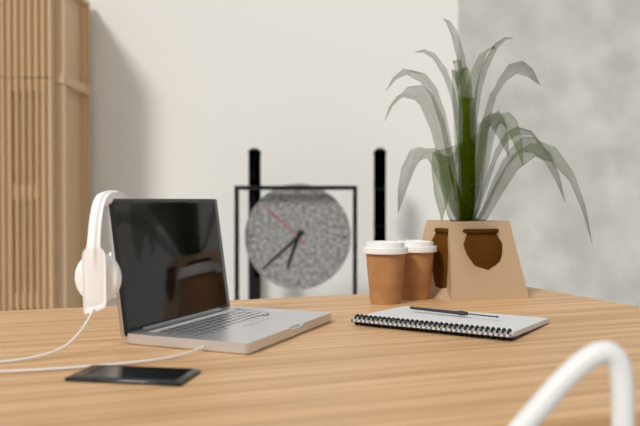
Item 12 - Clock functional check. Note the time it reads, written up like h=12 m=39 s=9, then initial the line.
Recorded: h=6 m=38 s=52
